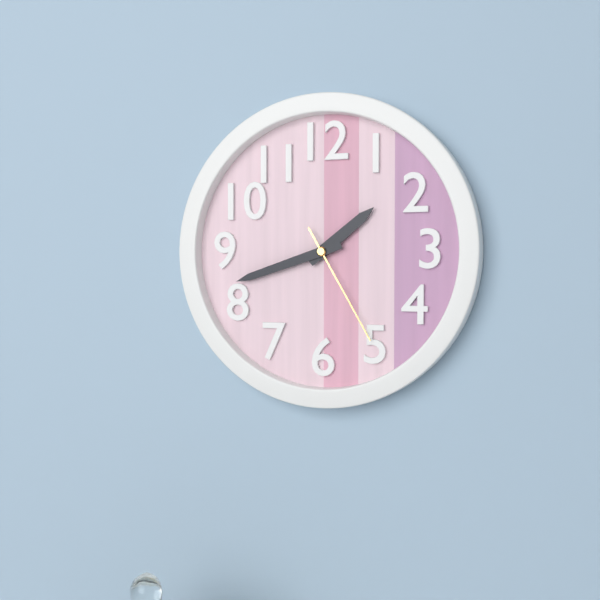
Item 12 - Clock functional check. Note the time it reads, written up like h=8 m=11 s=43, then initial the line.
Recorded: h=1 m=42 s=25
